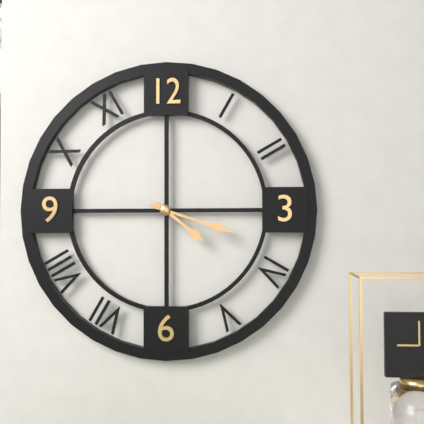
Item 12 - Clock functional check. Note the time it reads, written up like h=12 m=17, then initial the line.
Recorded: h=4 m=18
